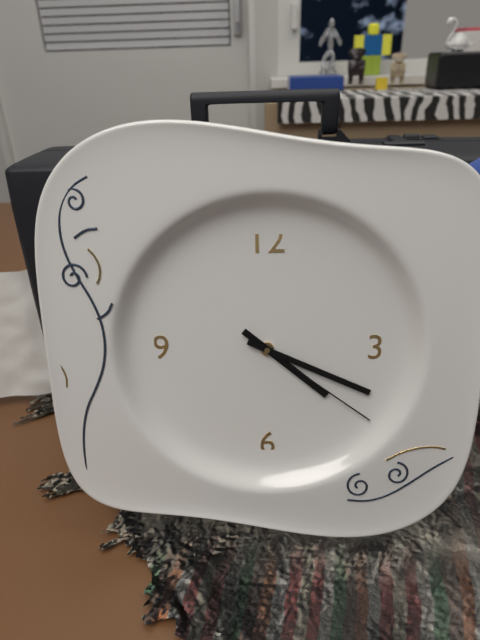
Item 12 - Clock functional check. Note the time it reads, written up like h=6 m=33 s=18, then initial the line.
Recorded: h=4 m=19 s=21
